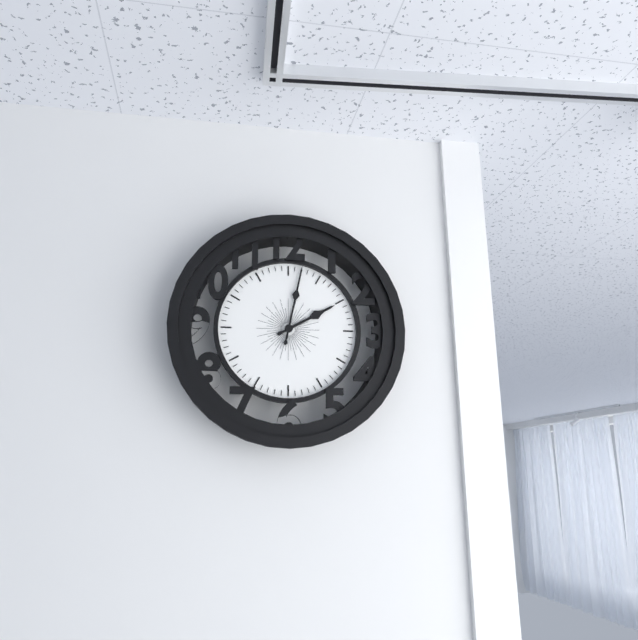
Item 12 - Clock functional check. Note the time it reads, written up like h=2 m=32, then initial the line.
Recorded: h=2 m=2
